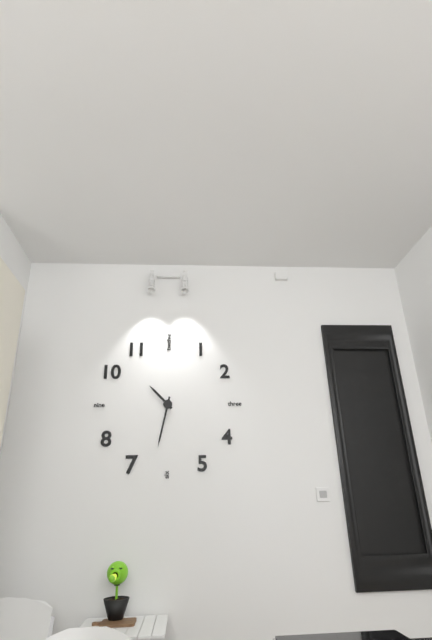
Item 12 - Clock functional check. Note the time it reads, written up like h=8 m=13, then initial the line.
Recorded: h=10 m=32
